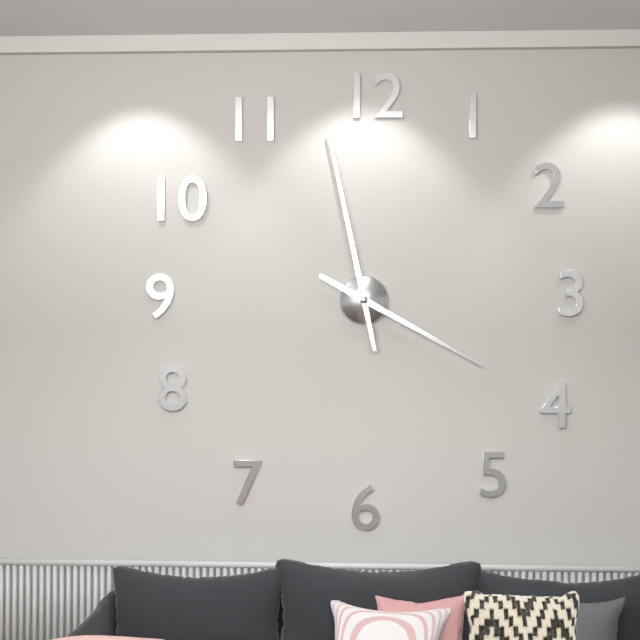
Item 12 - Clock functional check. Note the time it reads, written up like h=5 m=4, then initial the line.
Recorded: h=3 m=58
